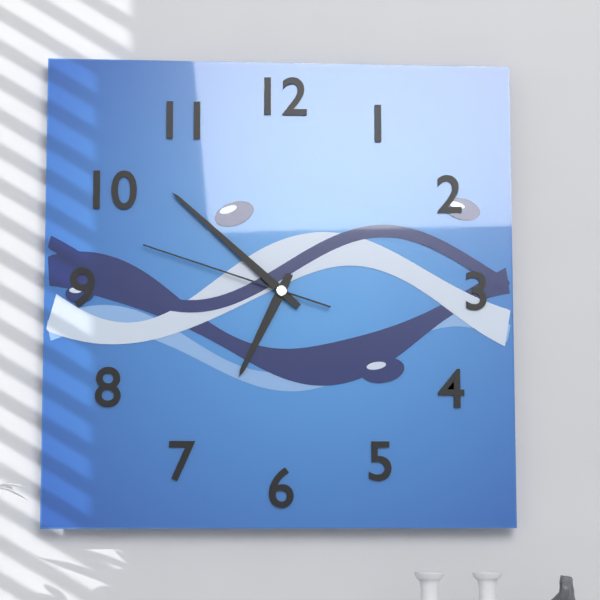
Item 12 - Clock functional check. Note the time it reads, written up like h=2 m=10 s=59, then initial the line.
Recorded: h=6 m=52 s=48
